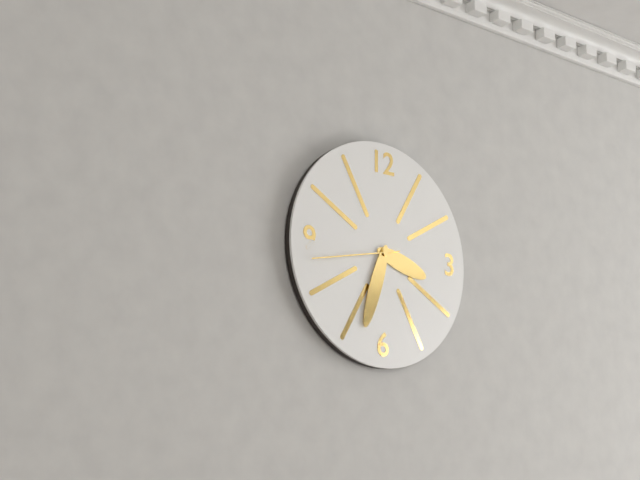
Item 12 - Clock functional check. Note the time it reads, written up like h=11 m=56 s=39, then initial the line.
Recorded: h=3 m=33 s=43
